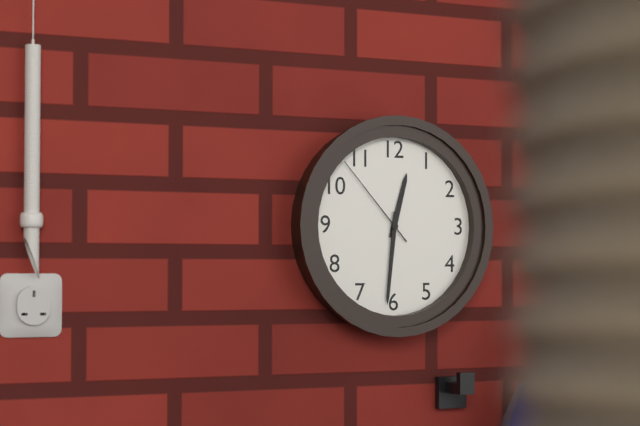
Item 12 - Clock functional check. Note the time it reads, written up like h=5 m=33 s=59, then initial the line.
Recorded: h=12 m=31 s=53
